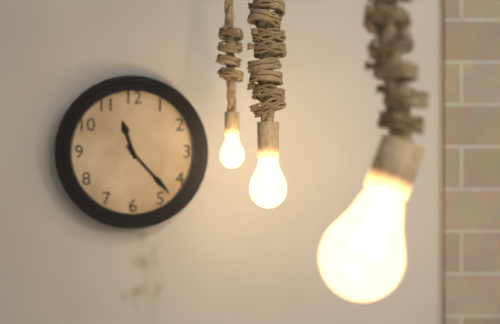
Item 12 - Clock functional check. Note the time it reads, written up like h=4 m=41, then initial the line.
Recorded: h=11 m=23
